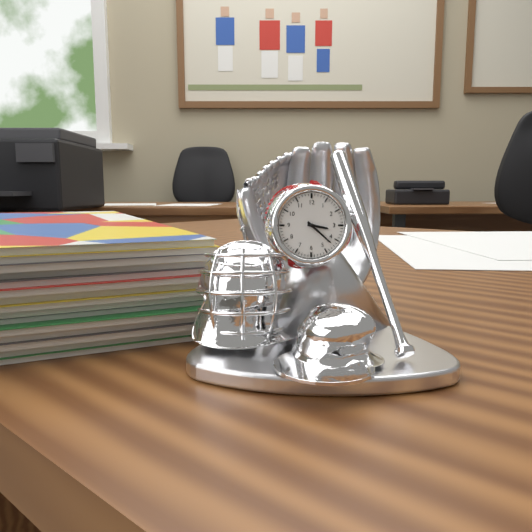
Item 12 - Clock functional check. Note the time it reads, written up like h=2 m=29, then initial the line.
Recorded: h=3 m=22
